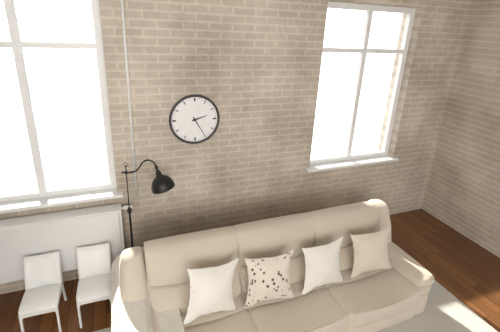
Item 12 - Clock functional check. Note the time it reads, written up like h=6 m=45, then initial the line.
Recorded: h=2 m=25
